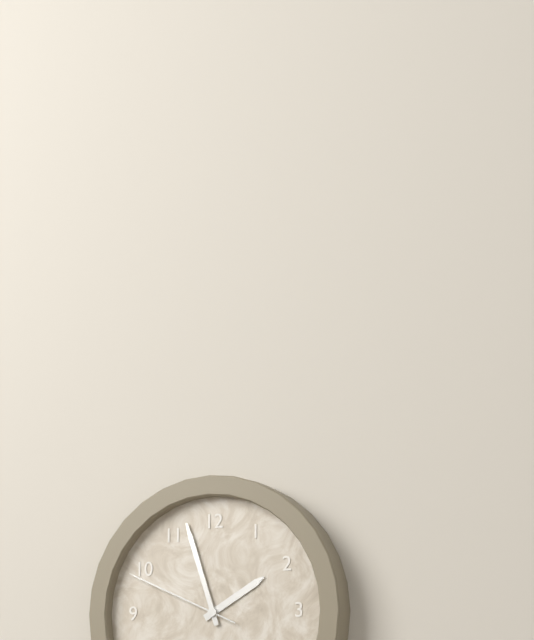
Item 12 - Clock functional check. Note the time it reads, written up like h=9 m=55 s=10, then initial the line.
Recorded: h=1 m=57 s=49
